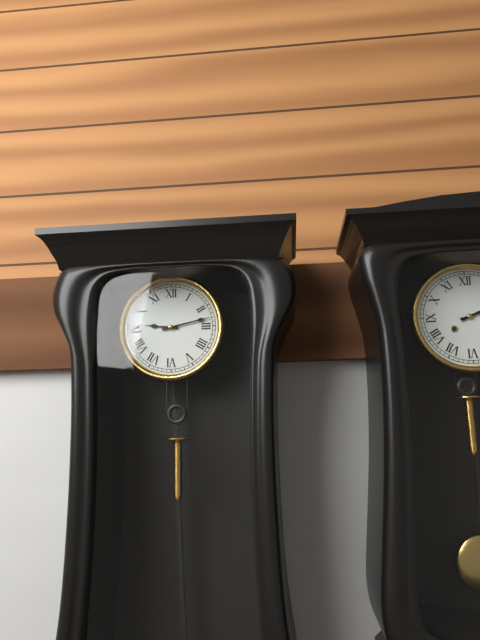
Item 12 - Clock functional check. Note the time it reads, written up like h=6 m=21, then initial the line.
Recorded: h=9 m=13
